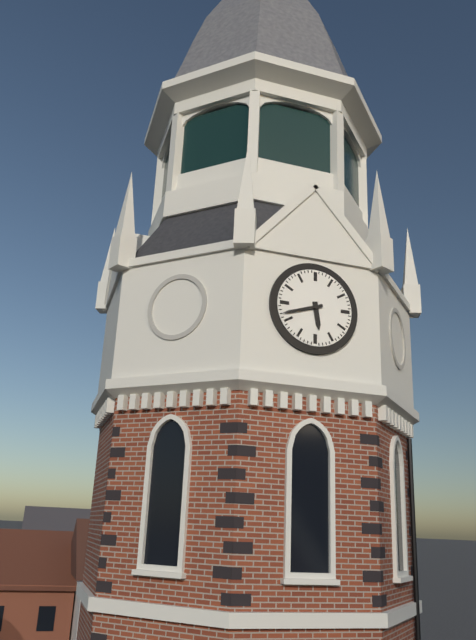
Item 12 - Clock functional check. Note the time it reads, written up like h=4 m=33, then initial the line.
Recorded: h=5 m=42
